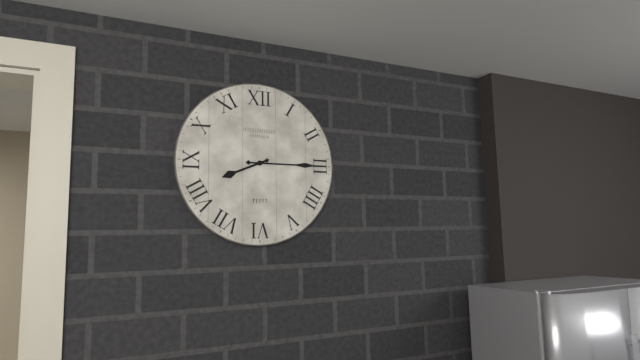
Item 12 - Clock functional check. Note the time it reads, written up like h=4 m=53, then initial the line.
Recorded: h=8 m=15
